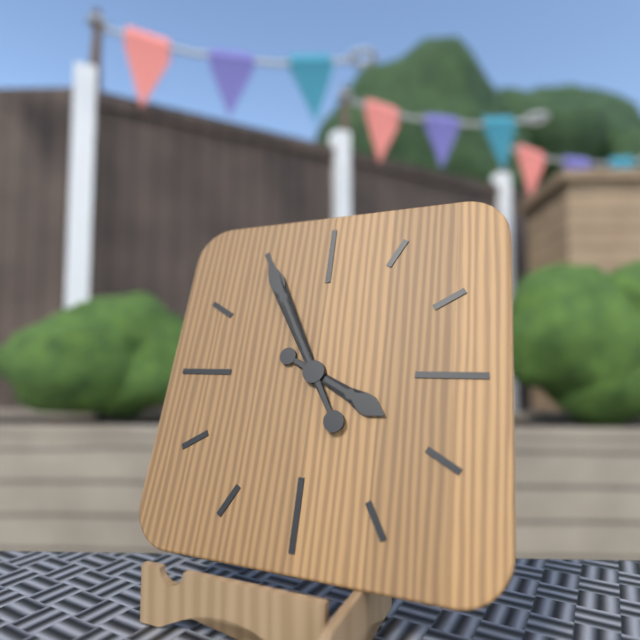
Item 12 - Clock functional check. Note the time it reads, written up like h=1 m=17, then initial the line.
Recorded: h=3 m=55
